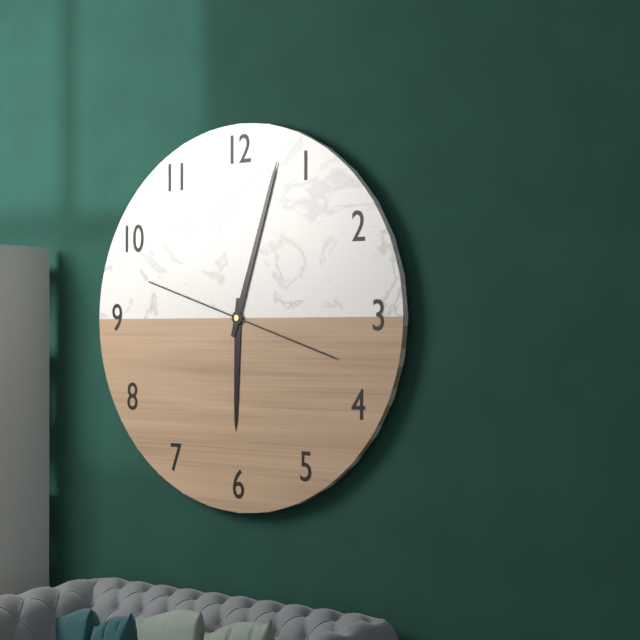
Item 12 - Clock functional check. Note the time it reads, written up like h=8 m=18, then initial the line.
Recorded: h=6 m=3
